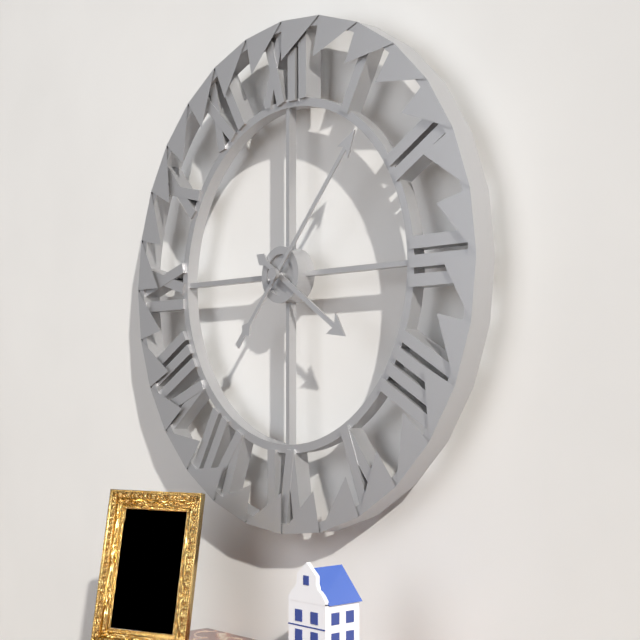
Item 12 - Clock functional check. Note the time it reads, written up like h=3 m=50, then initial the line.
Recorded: h=4 m=7
